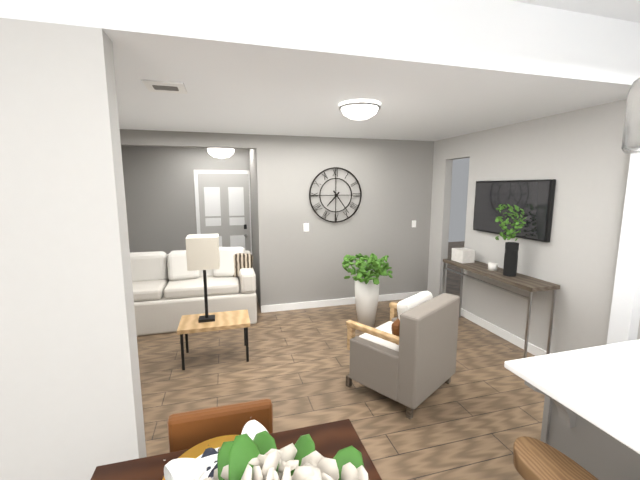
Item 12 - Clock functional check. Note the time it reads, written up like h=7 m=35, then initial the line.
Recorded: h=7 m=24
